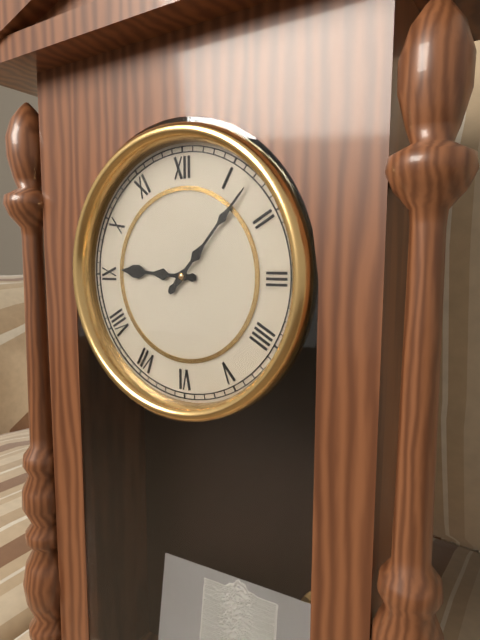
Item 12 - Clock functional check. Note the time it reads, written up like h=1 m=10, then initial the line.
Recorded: h=9 m=7
